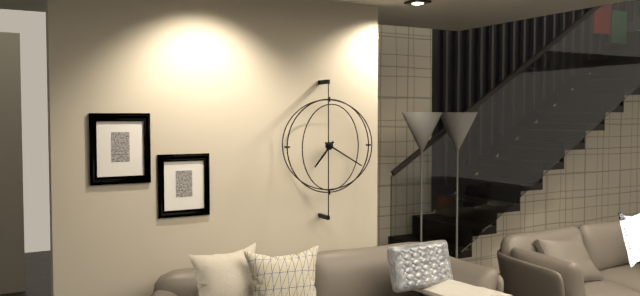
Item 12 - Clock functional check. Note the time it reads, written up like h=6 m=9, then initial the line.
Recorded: h=7 m=20
